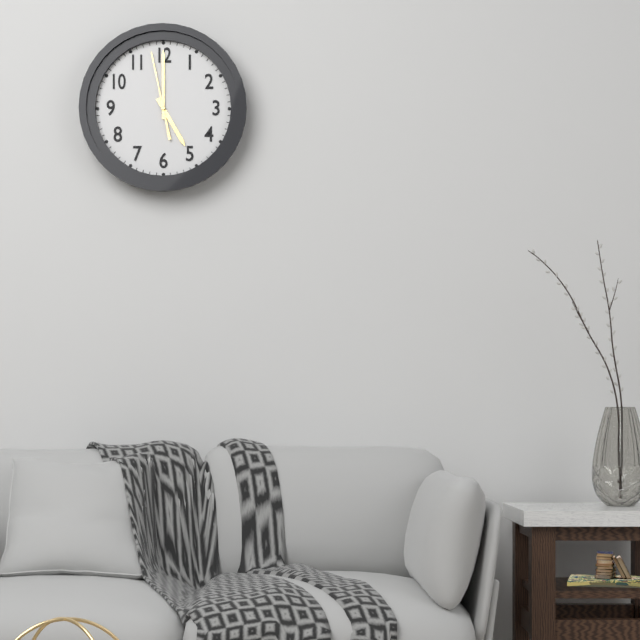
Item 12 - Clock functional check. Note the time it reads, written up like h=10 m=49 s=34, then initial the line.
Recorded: h=5 m=0 s=58
